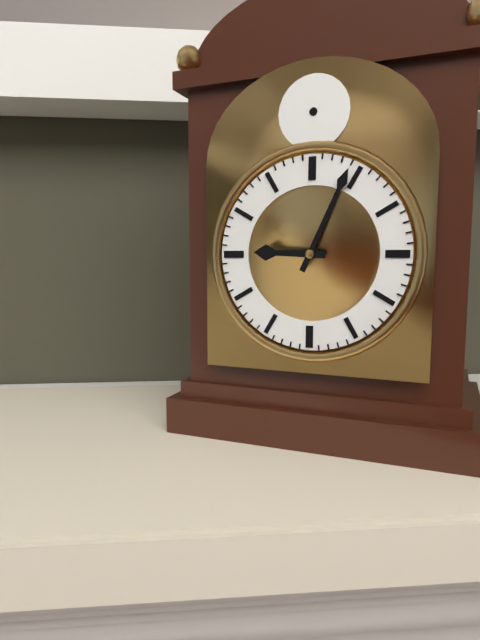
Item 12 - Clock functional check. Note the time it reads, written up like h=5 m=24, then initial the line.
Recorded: h=9 m=4
